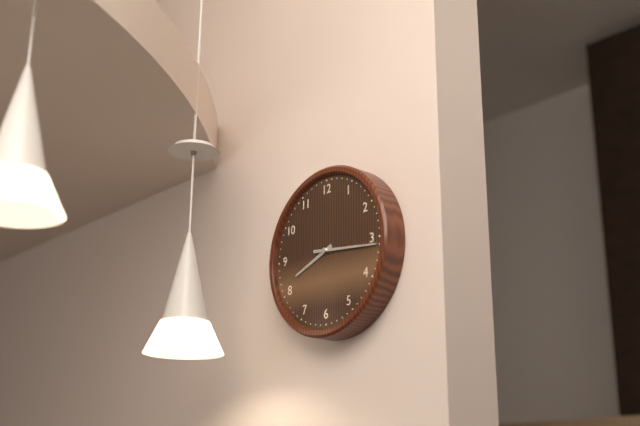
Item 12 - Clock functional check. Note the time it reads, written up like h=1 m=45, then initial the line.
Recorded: h=8 m=16
